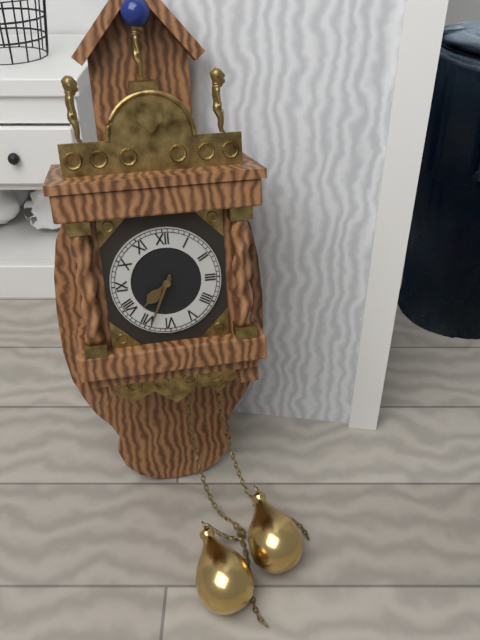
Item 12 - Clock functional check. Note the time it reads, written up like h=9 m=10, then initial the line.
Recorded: h=7 m=34
